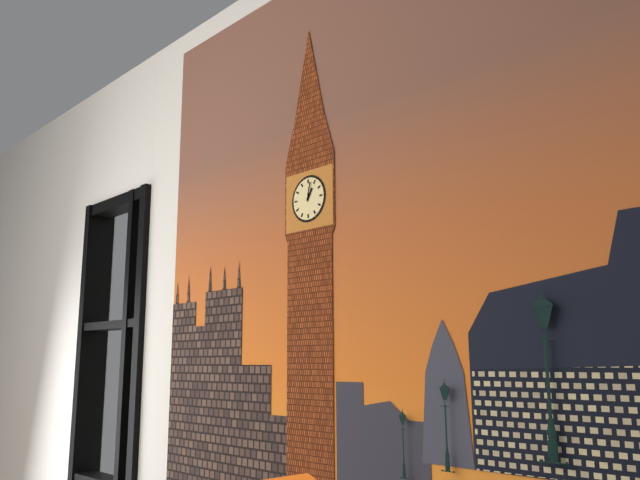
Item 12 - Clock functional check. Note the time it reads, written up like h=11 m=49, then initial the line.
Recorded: h=1 m=2
